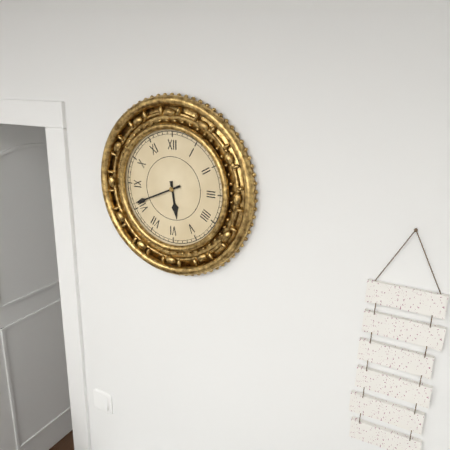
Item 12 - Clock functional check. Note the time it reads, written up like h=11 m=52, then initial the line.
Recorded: h=5 m=41
